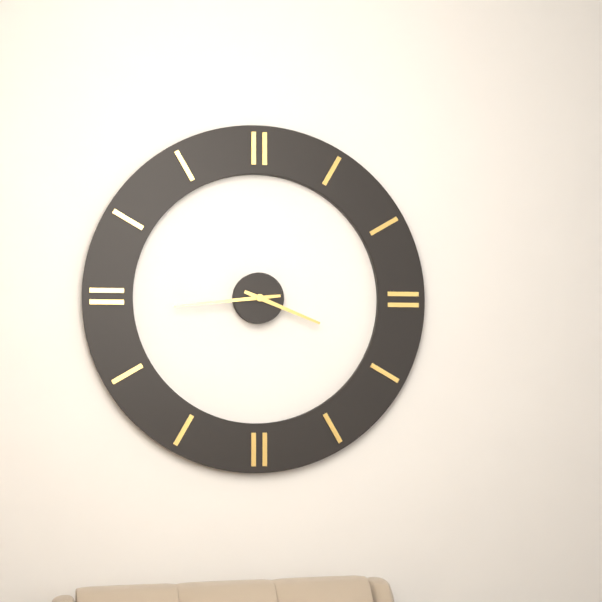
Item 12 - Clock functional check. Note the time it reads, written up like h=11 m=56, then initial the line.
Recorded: h=3 m=44
